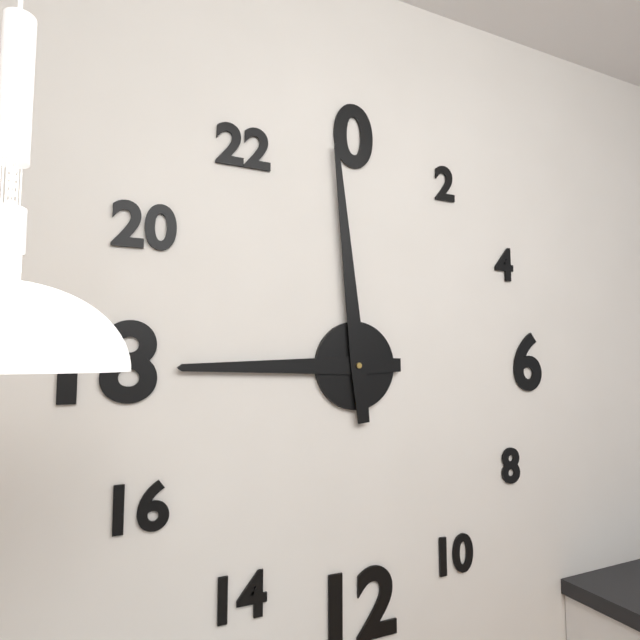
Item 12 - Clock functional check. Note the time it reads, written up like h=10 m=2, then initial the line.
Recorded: h=8 m=59
